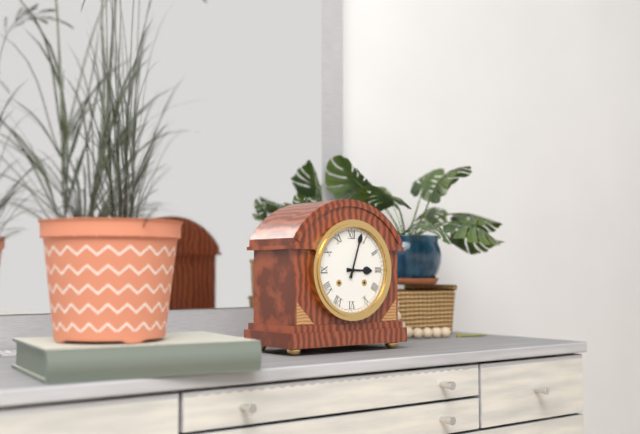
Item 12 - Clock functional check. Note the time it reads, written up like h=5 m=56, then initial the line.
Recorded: h=3 m=3
